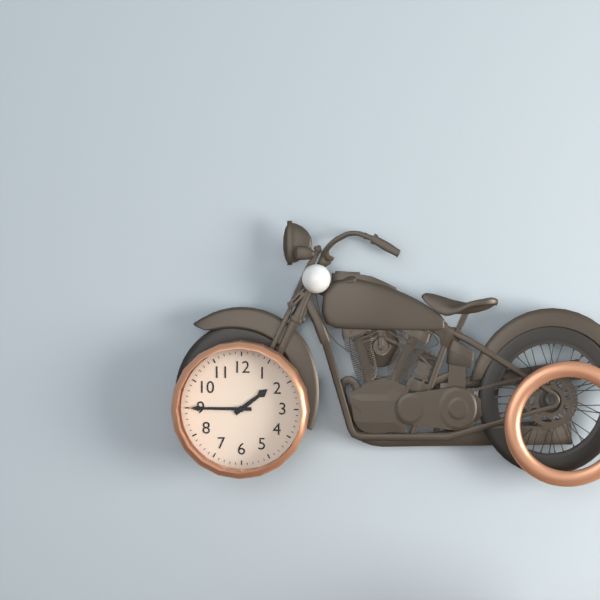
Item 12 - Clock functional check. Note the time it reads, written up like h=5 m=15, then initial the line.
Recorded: h=1 m=45
